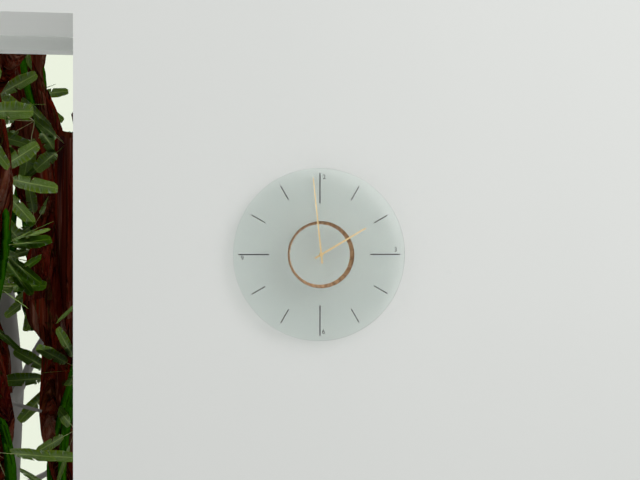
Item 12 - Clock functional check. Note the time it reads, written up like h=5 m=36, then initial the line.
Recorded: h=1 m=59
